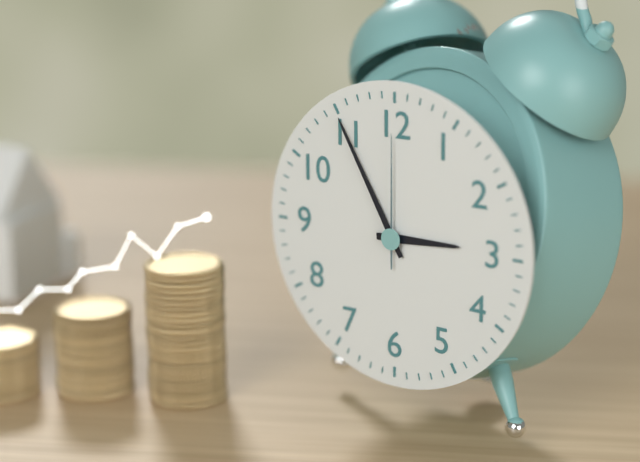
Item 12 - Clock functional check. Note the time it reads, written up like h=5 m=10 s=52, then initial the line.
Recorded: h=2 m=55 s=0
